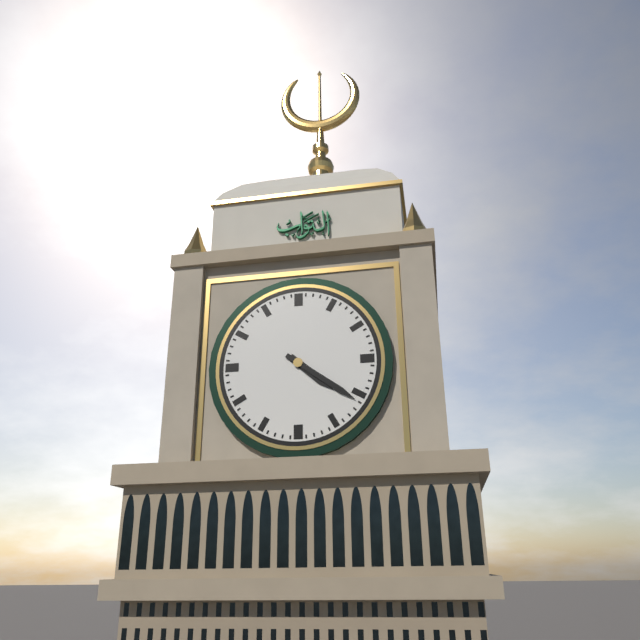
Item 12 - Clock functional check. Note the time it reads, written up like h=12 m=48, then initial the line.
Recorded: h=4 m=21
